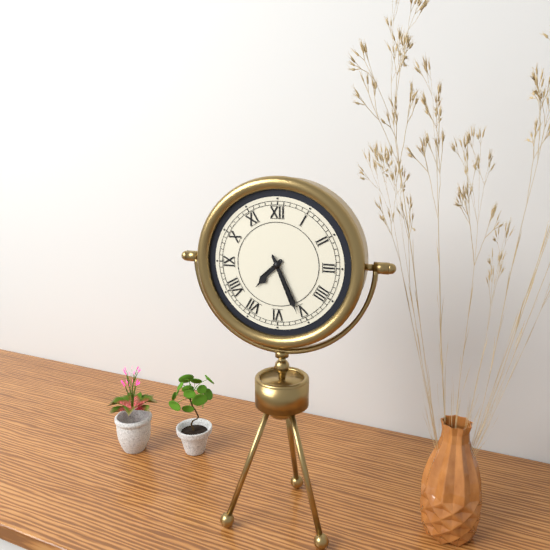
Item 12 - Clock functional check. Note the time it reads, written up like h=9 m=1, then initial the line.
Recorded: h=7 m=26
